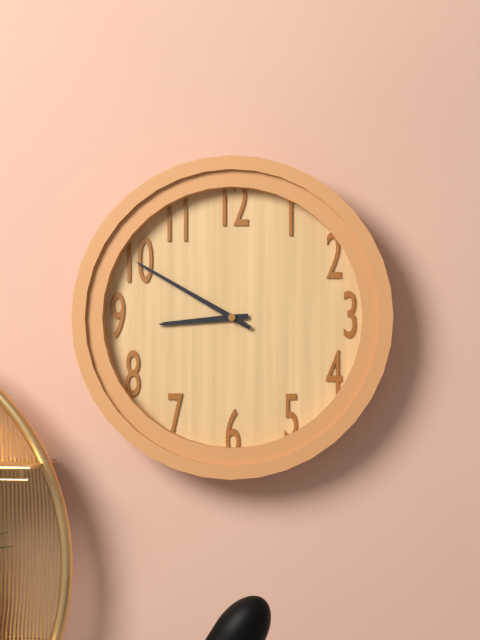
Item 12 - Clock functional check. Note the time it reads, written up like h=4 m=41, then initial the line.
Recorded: h=8 m=50
